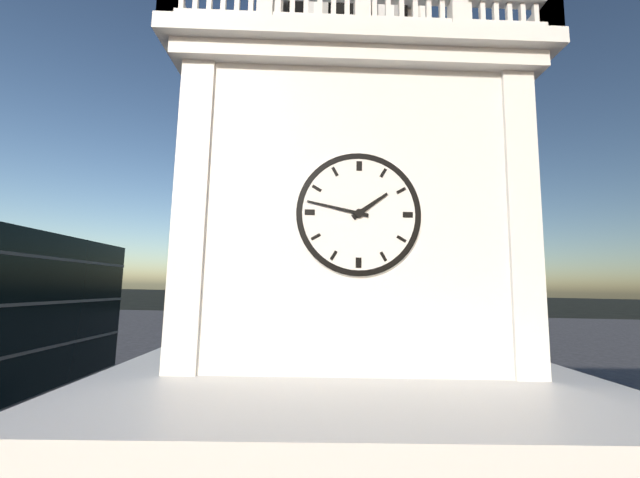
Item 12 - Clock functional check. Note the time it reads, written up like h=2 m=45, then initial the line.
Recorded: h=1 m=47
